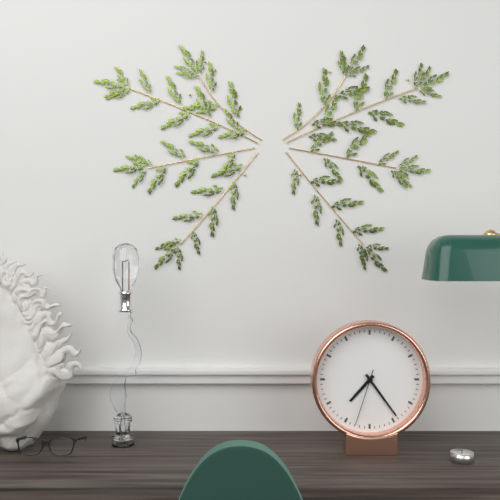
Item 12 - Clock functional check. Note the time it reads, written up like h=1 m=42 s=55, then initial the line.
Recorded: h=7 m=24 s=33
